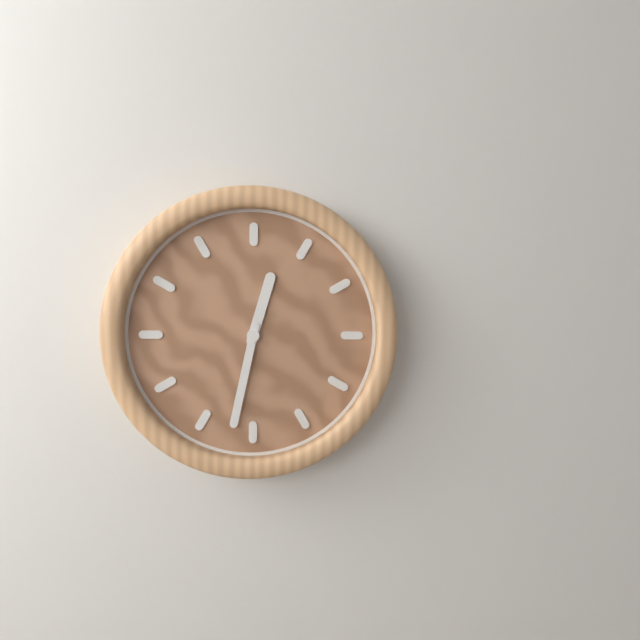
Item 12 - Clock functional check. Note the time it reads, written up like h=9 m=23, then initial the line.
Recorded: h=12 m=32
